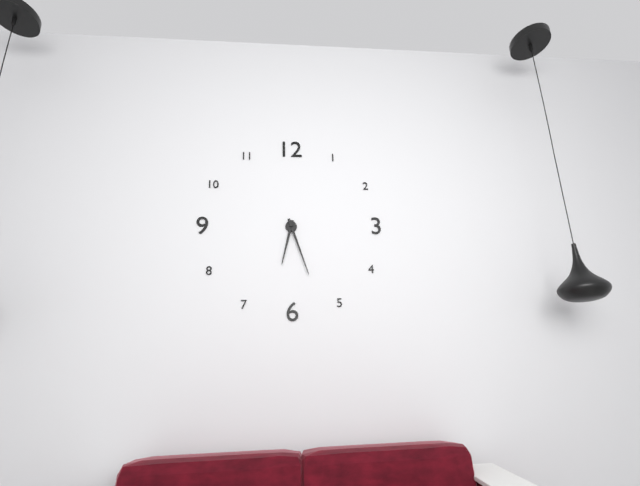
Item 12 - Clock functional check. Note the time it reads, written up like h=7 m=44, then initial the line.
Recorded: h=6 m=27
